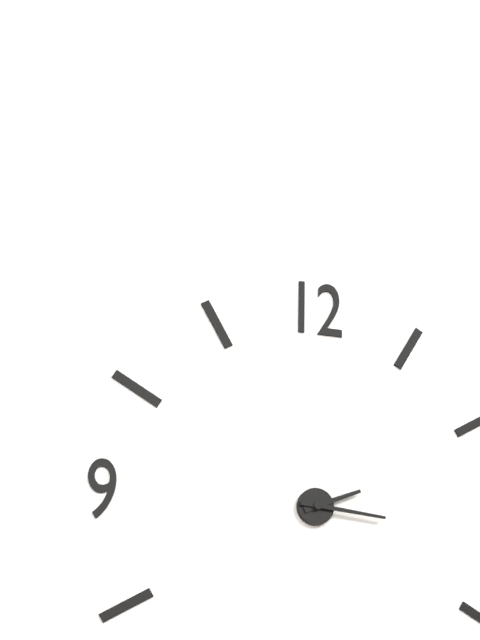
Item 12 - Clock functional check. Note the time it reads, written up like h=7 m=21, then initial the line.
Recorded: h=2 m=16
